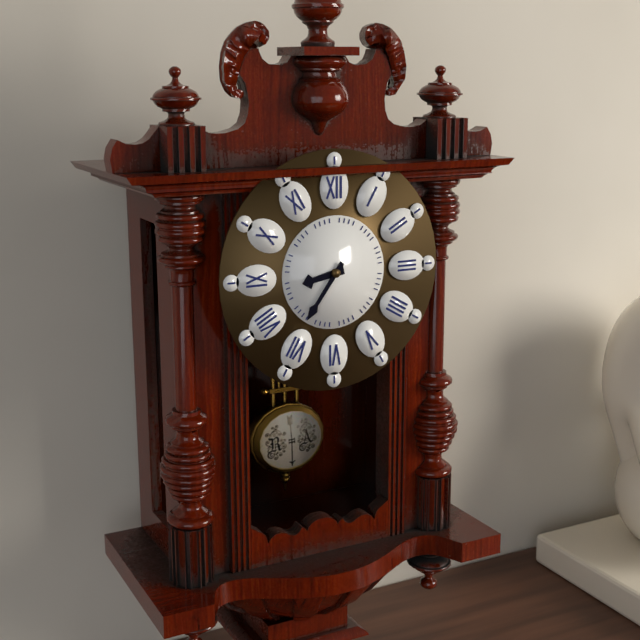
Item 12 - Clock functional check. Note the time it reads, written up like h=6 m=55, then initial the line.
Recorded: h=8 m=36
